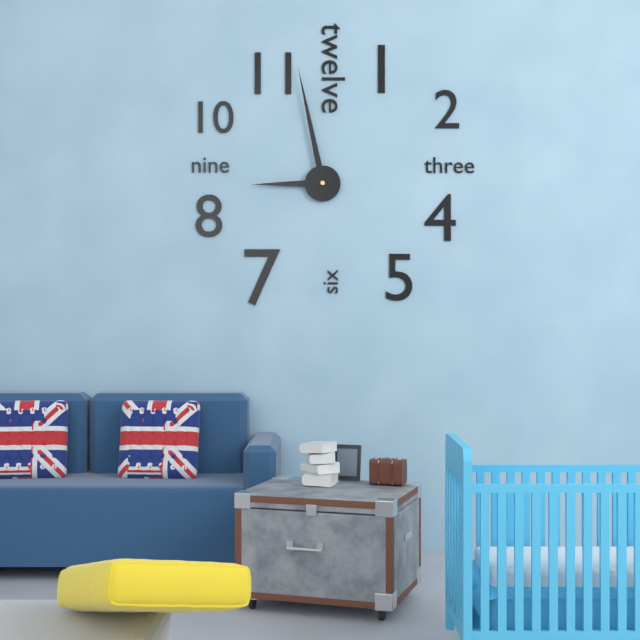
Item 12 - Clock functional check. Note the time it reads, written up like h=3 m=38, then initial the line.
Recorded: h=8 m=58
